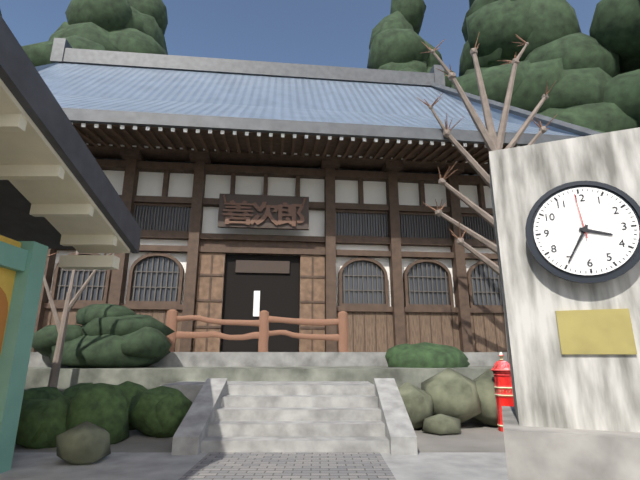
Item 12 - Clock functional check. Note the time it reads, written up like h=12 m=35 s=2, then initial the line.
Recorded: h=3 m=35 s=59
